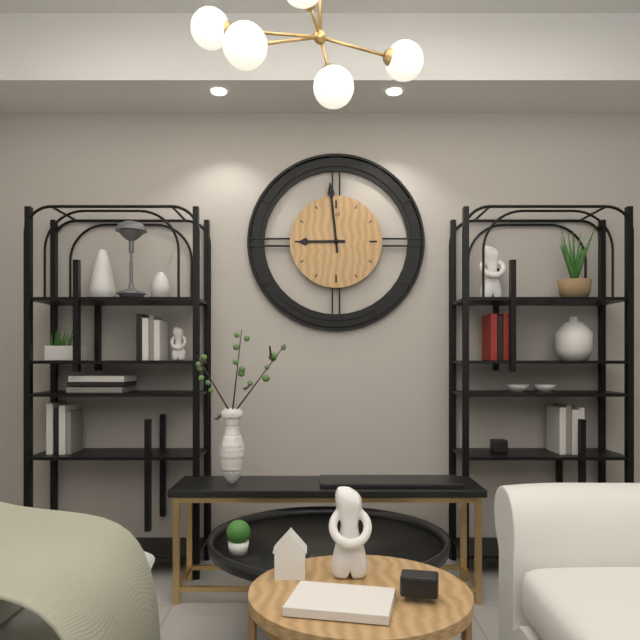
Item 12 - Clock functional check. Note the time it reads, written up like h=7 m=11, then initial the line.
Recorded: h=8 m=59
